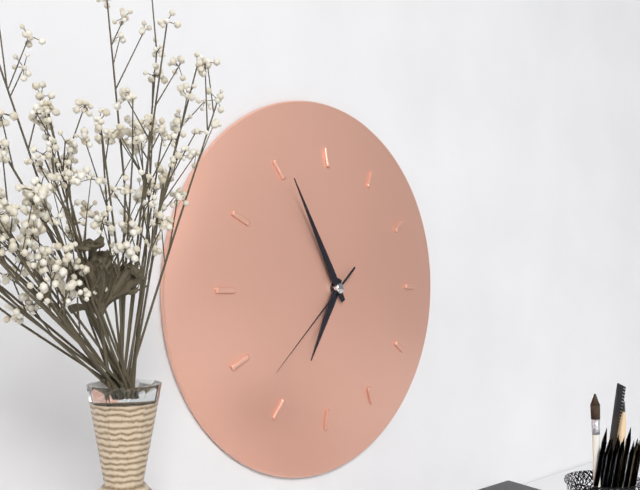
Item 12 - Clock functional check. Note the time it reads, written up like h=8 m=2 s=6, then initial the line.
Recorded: h=6 m=55 s=38
